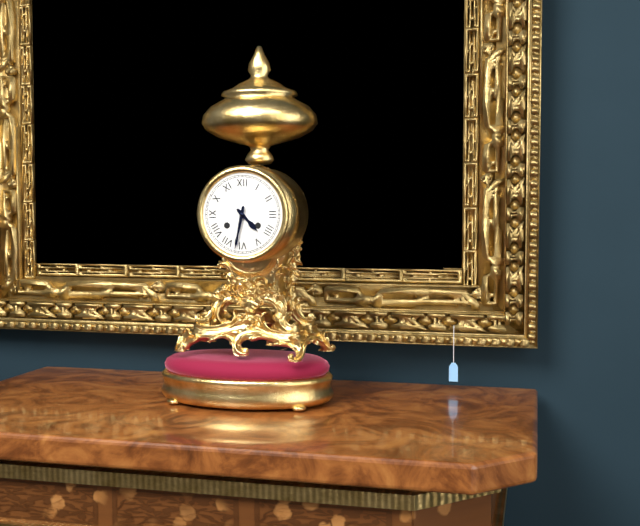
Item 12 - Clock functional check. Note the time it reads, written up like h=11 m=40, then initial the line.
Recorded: h=4 m=32
